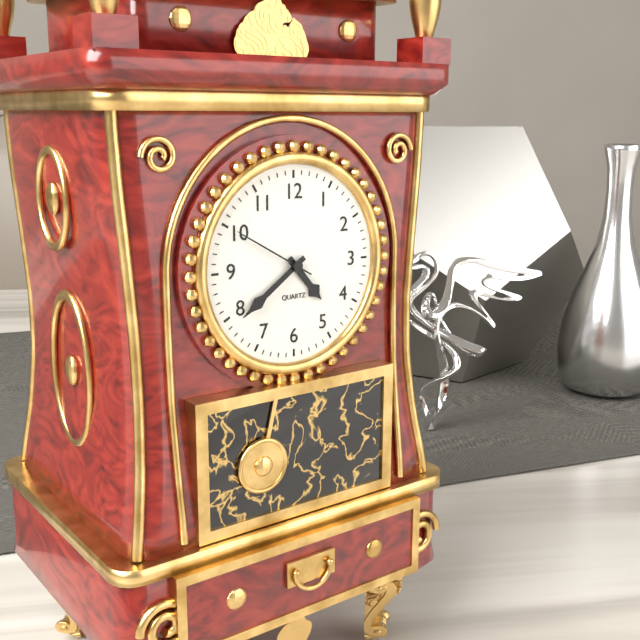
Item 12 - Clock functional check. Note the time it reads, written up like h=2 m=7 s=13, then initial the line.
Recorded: h=4 m=39 s=50
